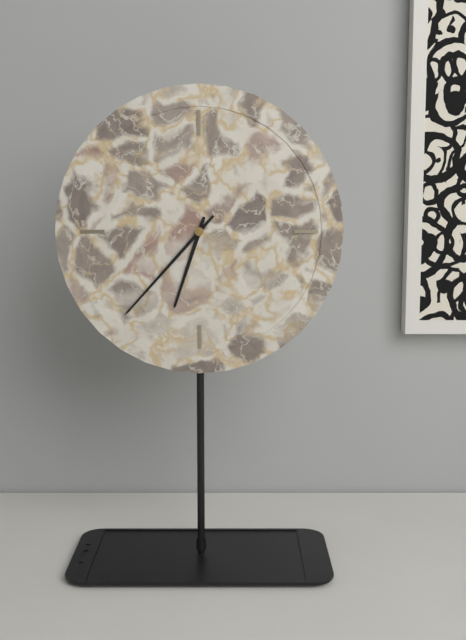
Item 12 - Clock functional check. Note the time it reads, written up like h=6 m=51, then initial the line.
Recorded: h=6 m=37
